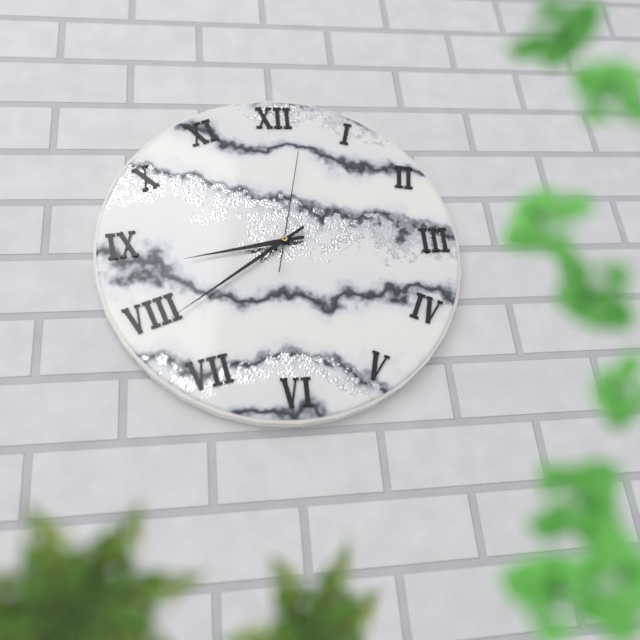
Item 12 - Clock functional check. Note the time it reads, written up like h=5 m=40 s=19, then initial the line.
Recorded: h=8 m=39 s=2
